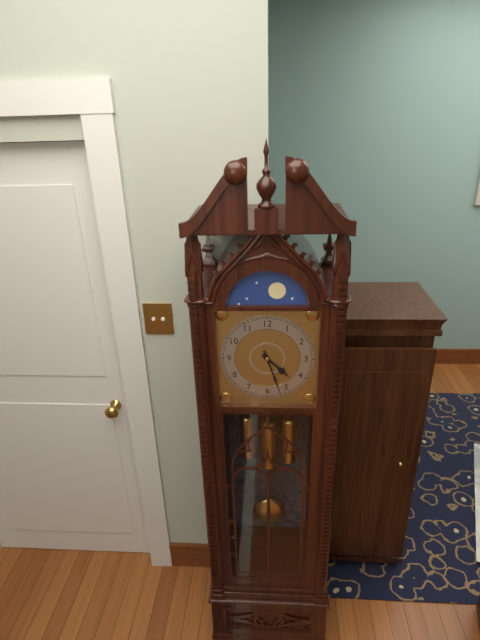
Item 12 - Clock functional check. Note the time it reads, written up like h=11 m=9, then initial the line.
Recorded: h=4 m=27
